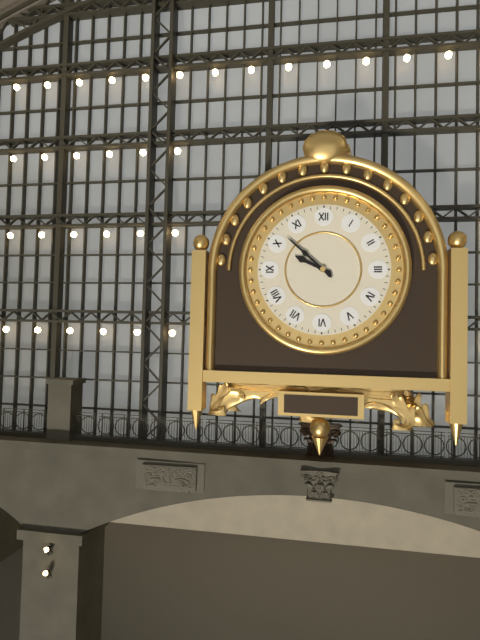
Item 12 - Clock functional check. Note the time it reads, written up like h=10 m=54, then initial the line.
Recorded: h=9 m=52
